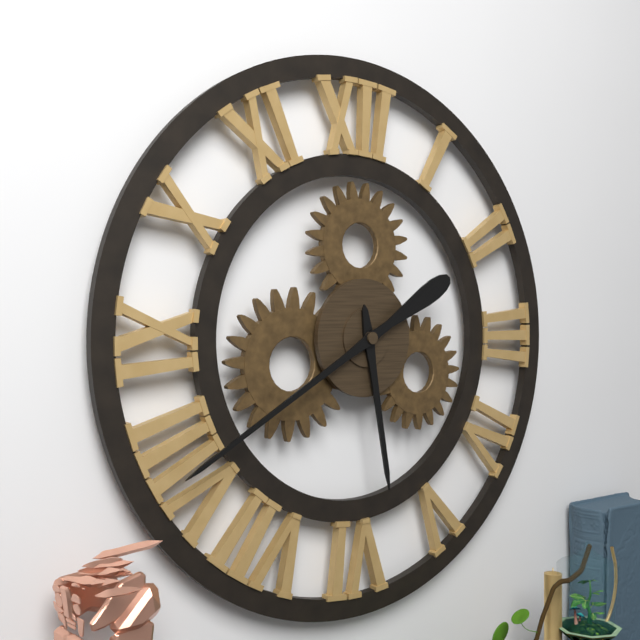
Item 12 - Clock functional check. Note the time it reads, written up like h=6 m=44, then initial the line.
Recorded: h=5 m=40
